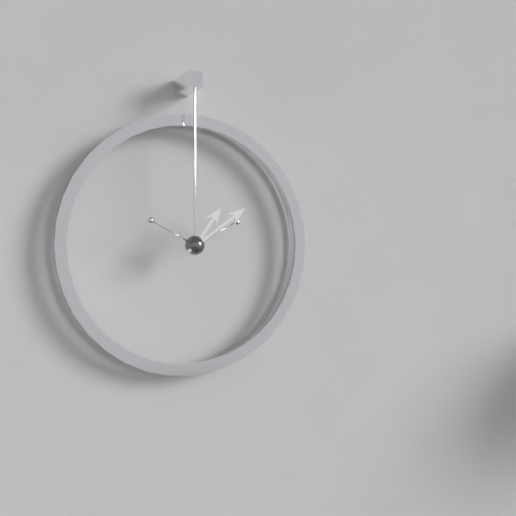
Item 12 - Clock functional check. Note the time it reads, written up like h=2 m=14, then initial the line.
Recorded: h=1 m=9
